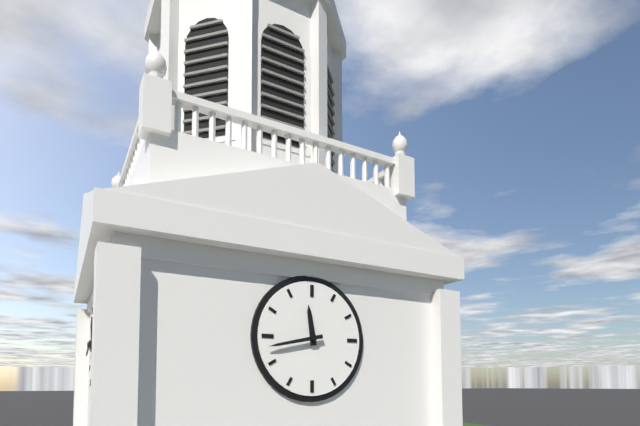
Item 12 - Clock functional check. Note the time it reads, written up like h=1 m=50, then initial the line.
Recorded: h=11 m=43
